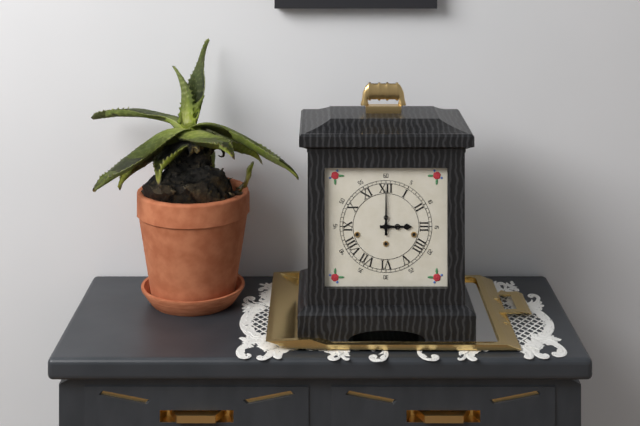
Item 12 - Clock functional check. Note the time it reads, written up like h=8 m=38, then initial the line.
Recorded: h=3 m=0
